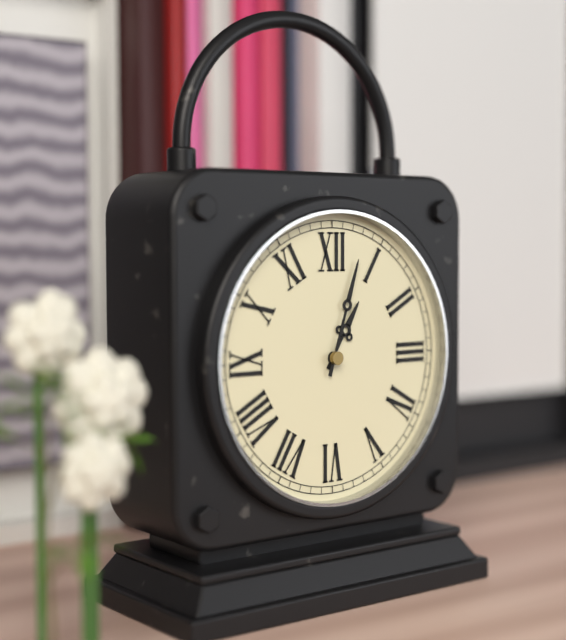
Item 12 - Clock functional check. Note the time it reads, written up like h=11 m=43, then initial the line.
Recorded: h=1 m=3
